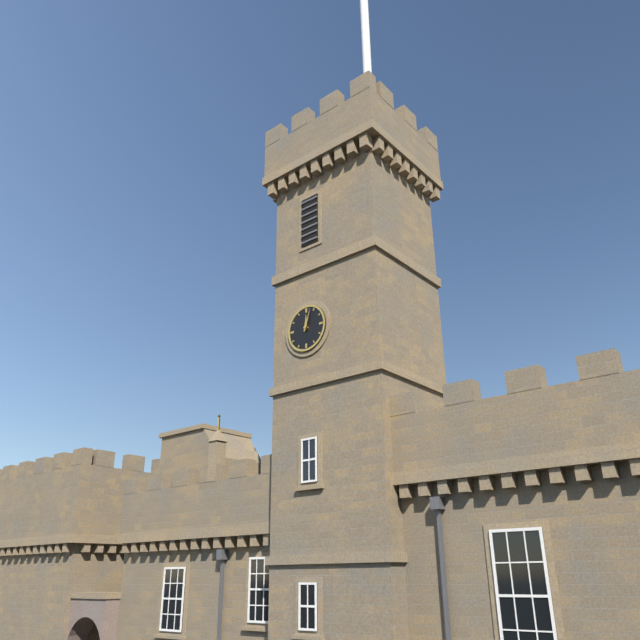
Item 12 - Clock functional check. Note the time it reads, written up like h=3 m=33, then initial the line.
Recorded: h=12 m=3
